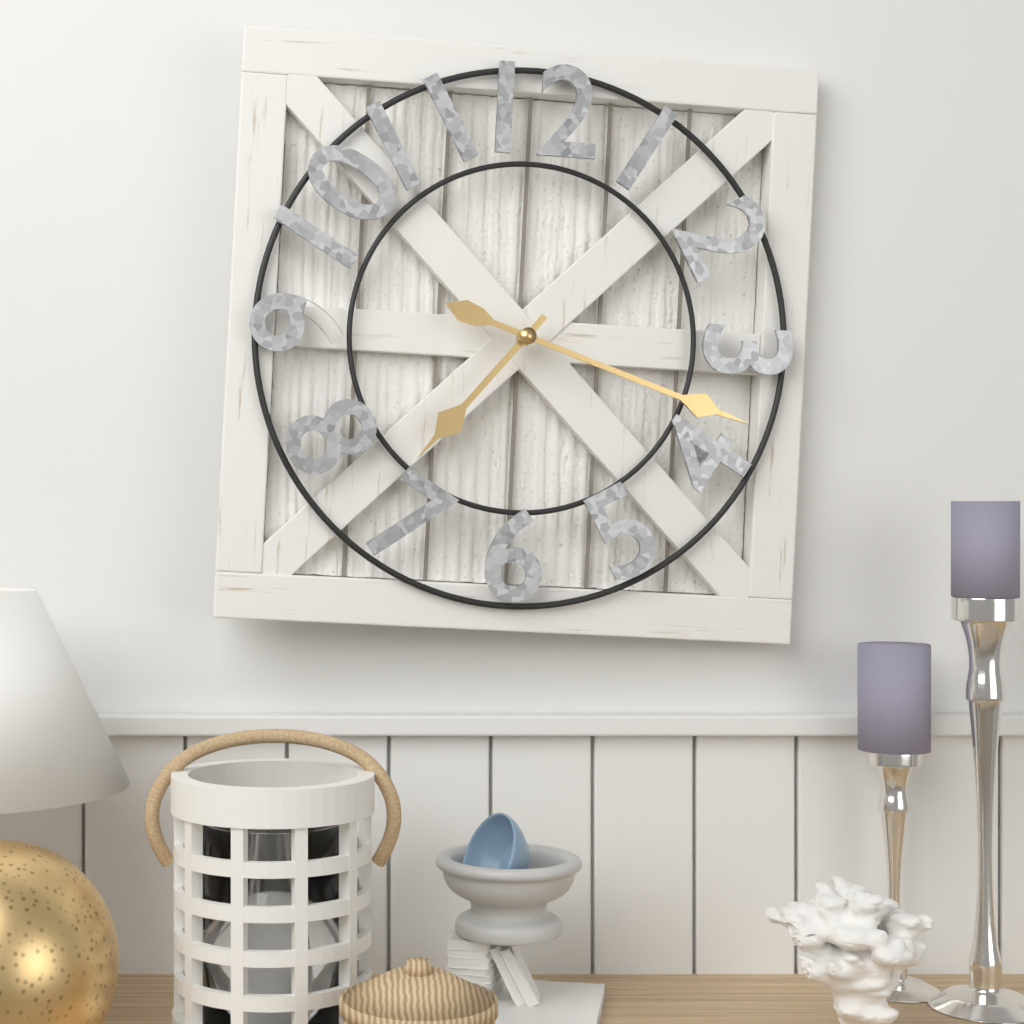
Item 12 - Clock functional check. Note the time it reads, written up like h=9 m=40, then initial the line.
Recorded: h=7 m=18
